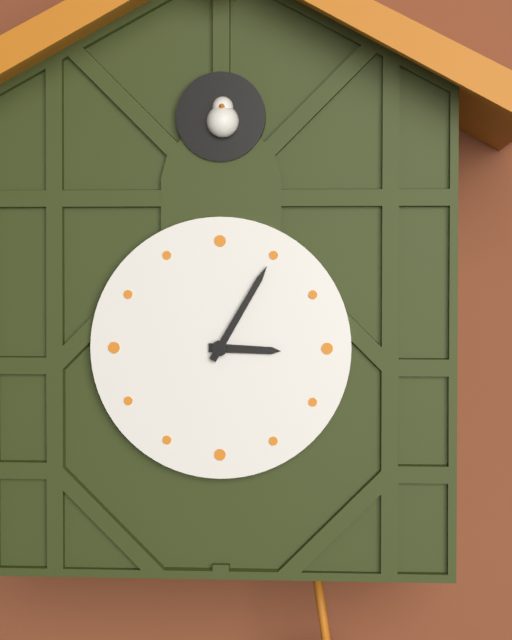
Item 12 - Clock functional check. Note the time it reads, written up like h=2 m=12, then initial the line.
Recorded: h=3 m=5
